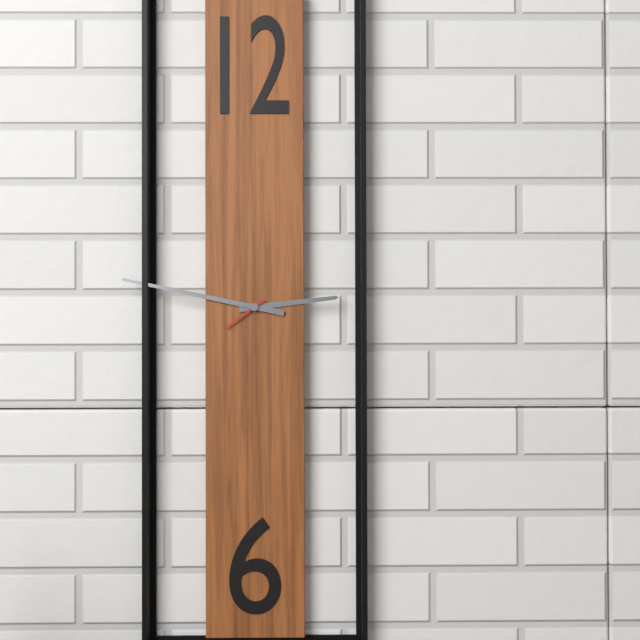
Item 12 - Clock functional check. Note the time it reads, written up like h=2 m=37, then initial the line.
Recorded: h=2 m=47
